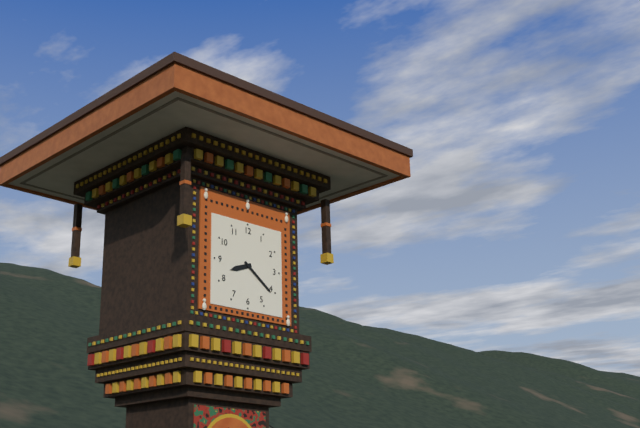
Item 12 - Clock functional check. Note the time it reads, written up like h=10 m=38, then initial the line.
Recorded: h=8 m=21
